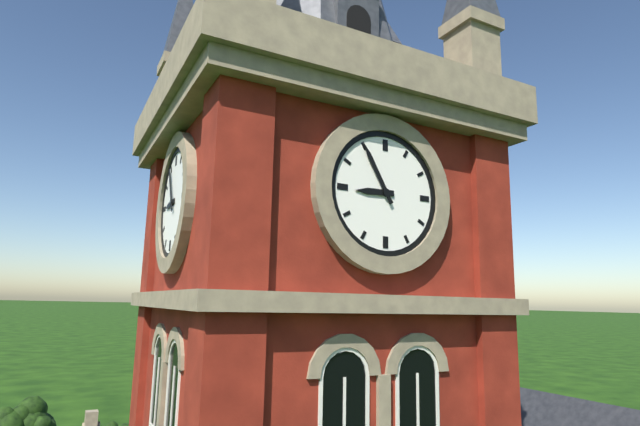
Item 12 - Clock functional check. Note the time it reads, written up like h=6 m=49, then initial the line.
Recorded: h=8 m=55
